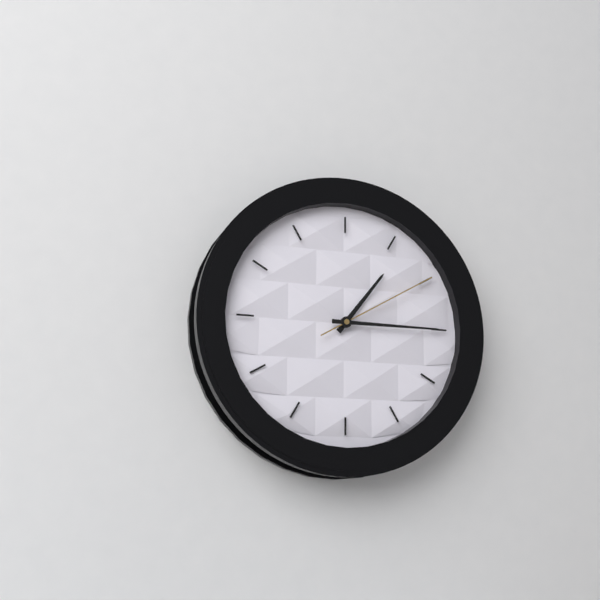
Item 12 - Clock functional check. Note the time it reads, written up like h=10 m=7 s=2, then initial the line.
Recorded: h=1 m=15 s=10
